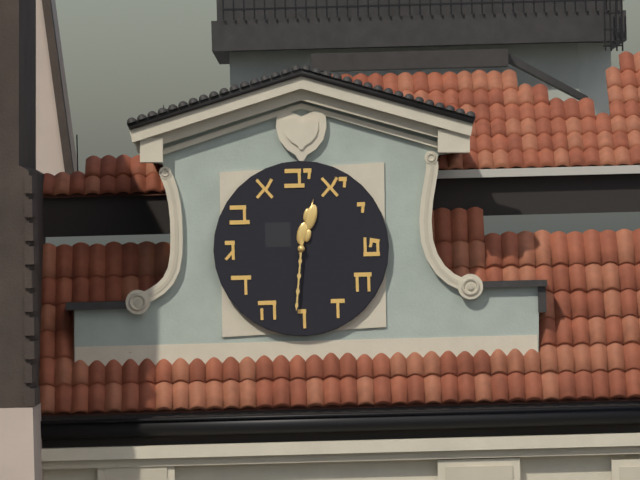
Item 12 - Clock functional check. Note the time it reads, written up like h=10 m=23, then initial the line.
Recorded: h=12 m=31
